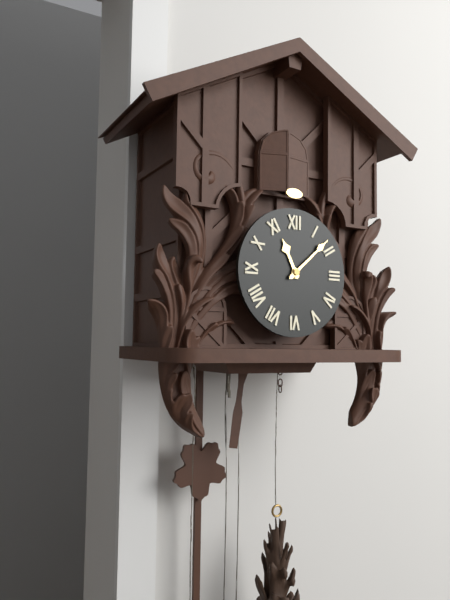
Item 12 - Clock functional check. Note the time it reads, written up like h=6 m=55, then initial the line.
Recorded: h=11 m=8
